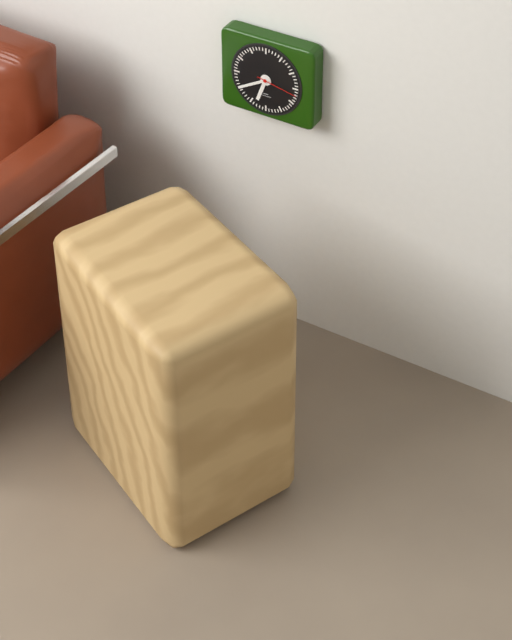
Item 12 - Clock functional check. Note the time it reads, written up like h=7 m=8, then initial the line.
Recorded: h=6 m=40
